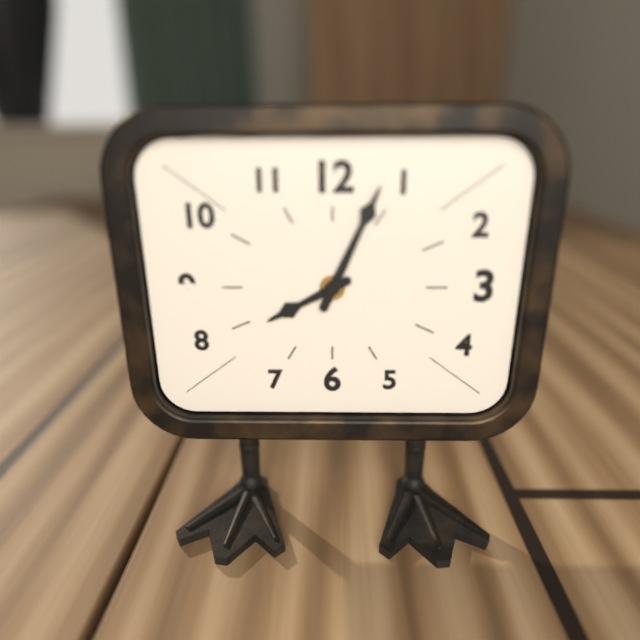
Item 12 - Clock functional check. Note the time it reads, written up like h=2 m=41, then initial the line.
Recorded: h=8 m=4
